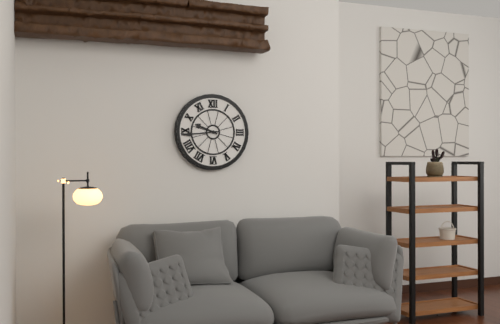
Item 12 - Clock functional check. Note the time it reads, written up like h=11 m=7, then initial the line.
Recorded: h=9 m=44
